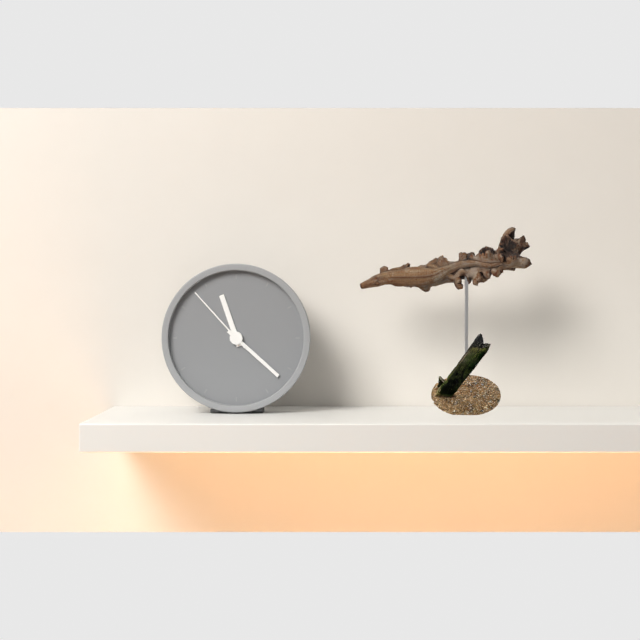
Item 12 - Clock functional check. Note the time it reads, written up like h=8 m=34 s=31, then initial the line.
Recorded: h=11 m=22 s=53
